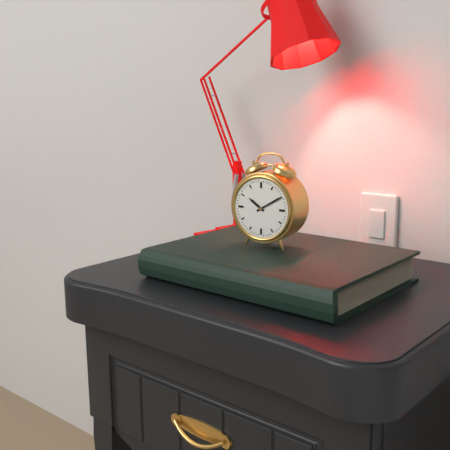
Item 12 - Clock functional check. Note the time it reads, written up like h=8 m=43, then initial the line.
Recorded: h=10 m=10
